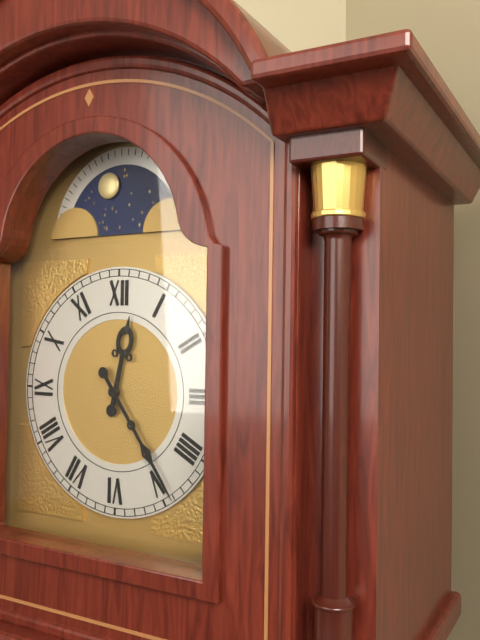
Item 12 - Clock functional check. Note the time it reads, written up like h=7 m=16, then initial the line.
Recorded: h=12 m=24
